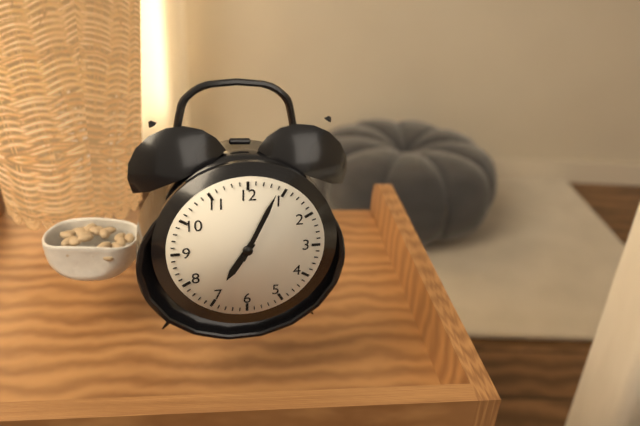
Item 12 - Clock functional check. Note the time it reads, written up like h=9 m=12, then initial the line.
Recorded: h=7 m=4
